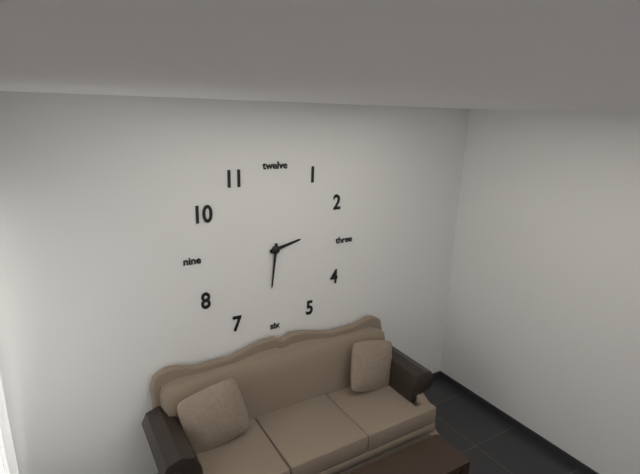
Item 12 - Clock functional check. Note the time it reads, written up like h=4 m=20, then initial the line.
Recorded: h=2 m=31
